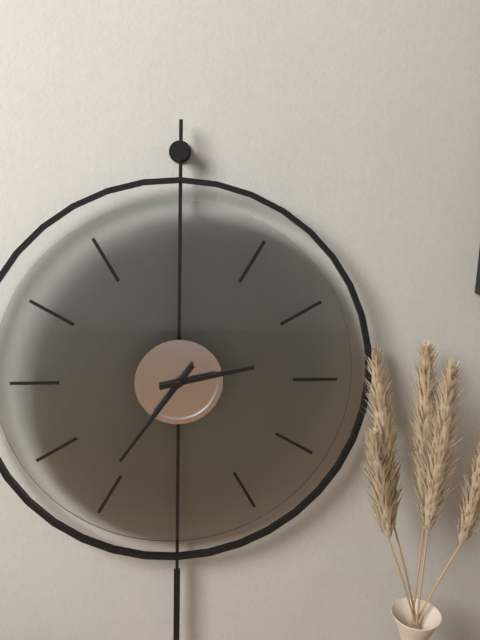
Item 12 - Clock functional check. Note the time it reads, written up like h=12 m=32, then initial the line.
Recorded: h=2 m=36
